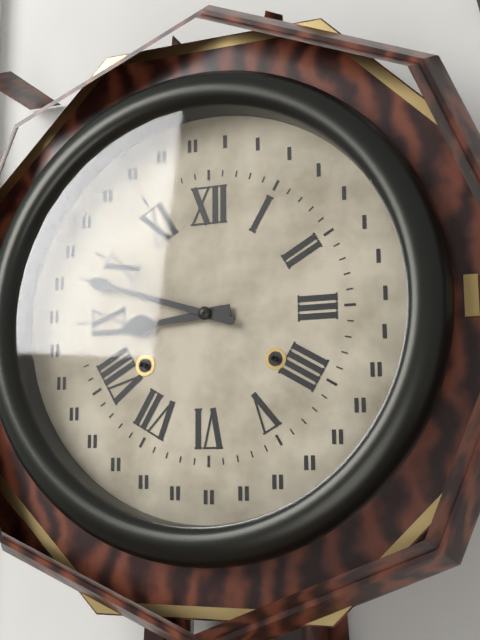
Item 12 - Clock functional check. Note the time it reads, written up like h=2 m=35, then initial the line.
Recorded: h=8 m=48
